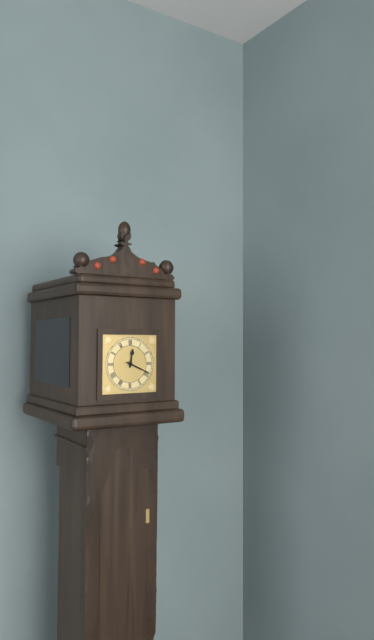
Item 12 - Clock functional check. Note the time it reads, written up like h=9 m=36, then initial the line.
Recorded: h=12 m=19
